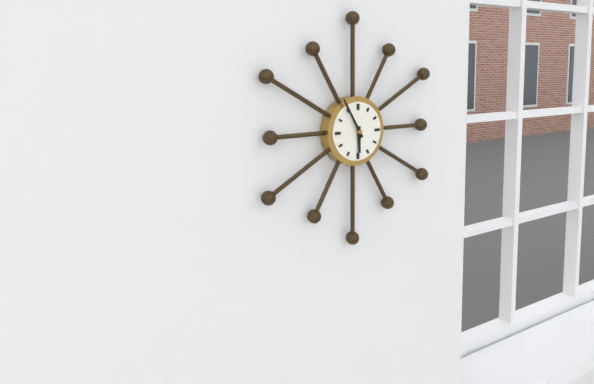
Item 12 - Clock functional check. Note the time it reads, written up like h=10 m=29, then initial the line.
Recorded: h=5 m=55
